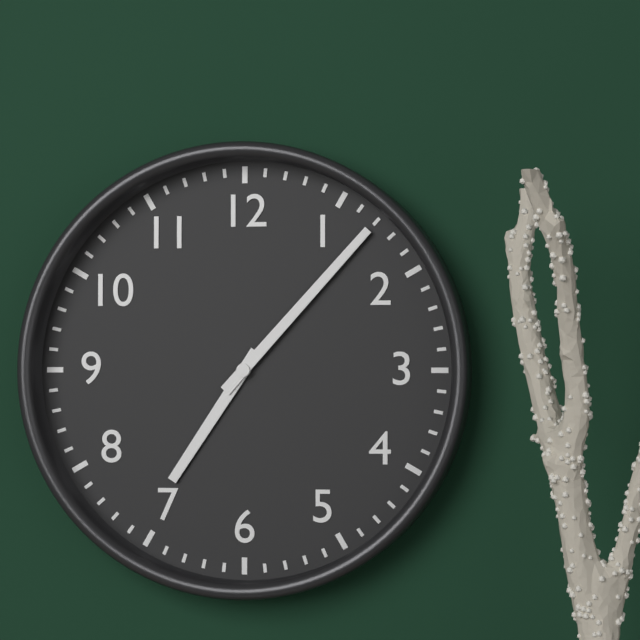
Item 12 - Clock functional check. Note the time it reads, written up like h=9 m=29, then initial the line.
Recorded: h=7 m=7
